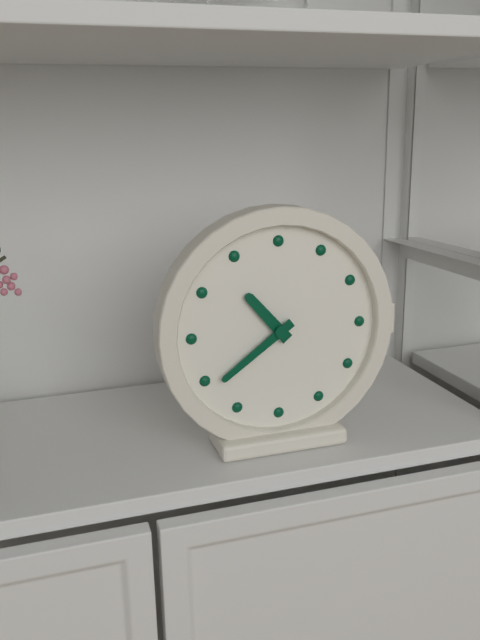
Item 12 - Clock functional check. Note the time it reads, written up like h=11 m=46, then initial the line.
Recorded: h=10 m=39
